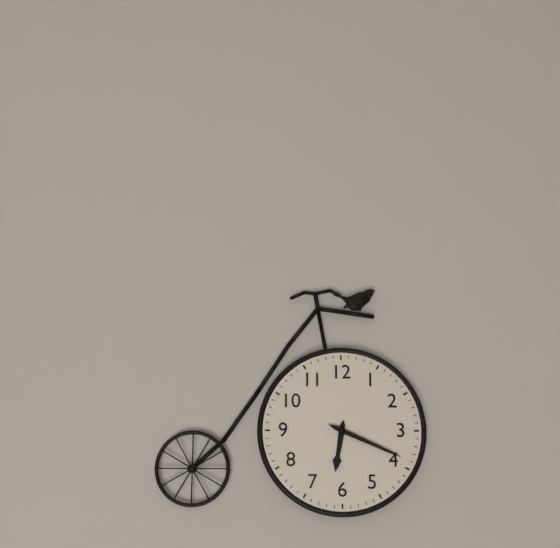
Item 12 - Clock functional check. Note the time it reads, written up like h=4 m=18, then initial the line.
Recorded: h=6 m=19
